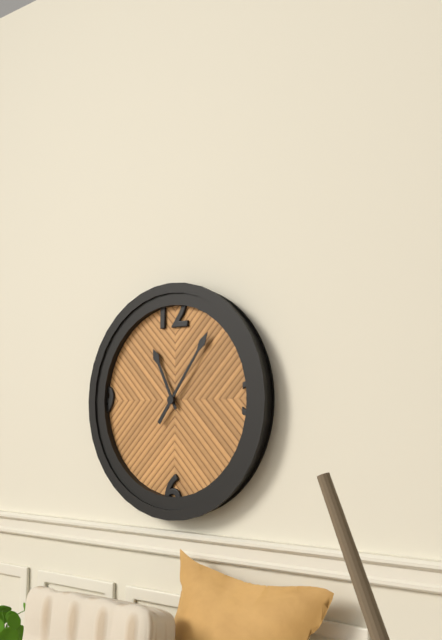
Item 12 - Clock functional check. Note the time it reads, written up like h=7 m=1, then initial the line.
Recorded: h=11 m=6
